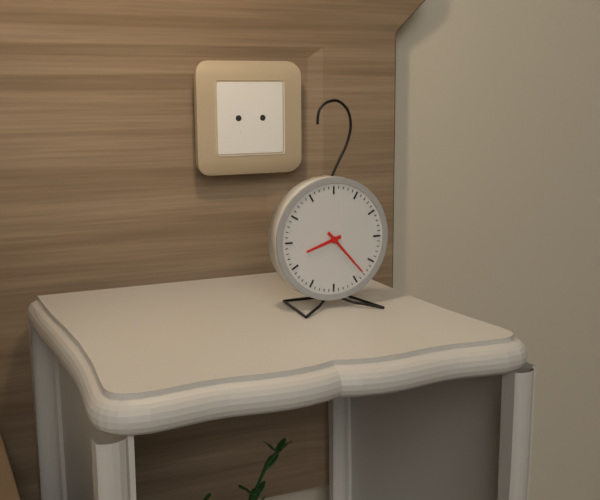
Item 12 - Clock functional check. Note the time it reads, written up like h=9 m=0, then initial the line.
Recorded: h=8 m=23
